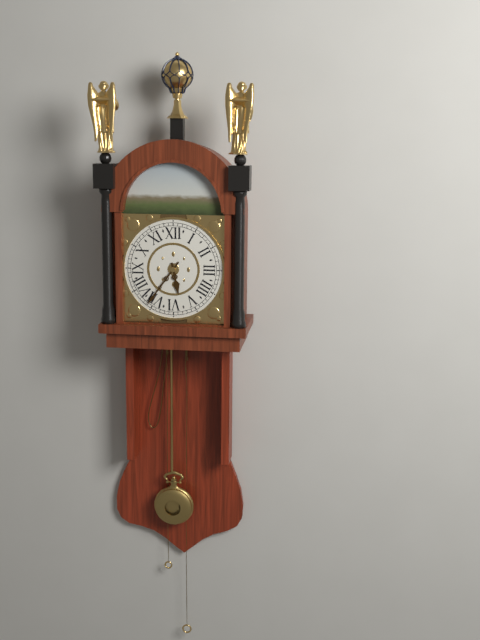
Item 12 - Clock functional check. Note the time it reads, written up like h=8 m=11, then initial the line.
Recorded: h=5 m=36
